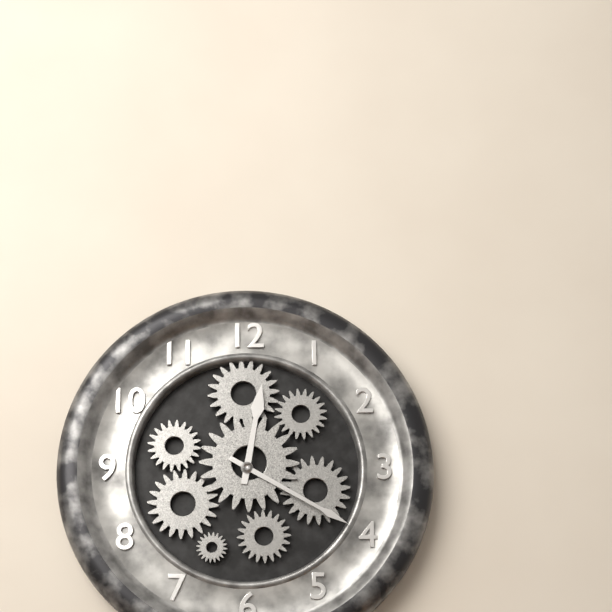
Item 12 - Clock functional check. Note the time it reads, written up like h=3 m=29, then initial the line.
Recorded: h=12 m=20
